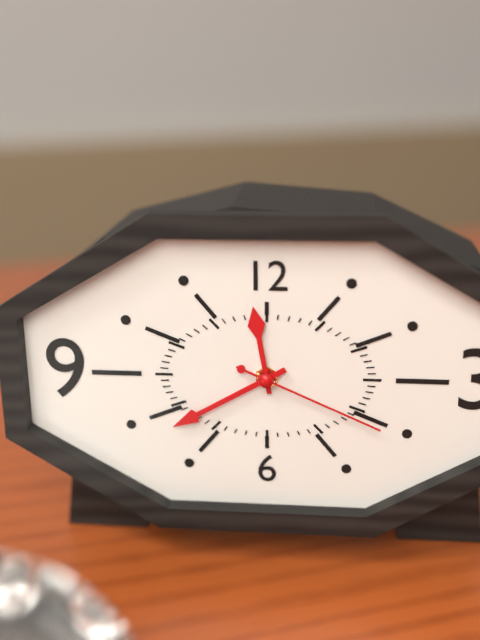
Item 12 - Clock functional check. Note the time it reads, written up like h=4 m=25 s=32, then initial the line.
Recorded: h=11 m=40 s=19
